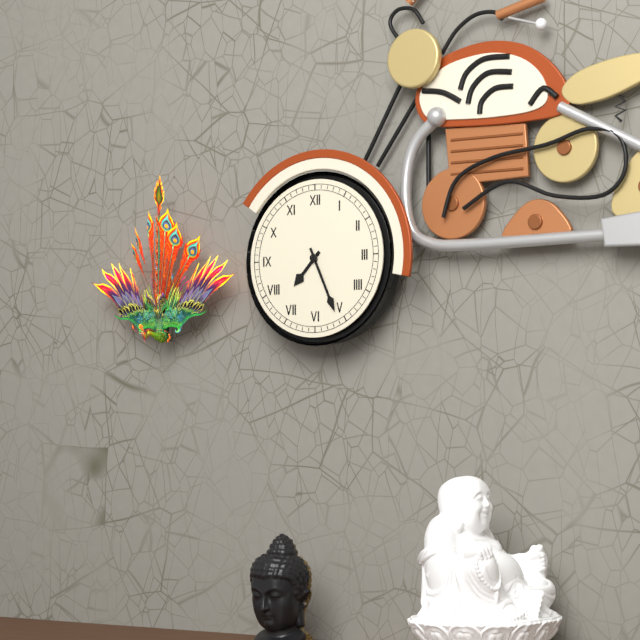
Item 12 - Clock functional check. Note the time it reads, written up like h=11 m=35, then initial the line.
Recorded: h=7 m=26
